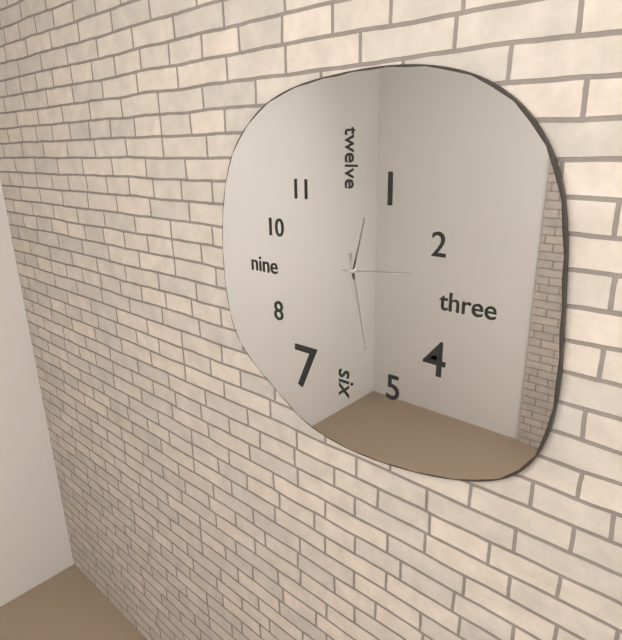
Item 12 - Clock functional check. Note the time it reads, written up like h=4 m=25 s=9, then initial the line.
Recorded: h=12 m=28 s=14
